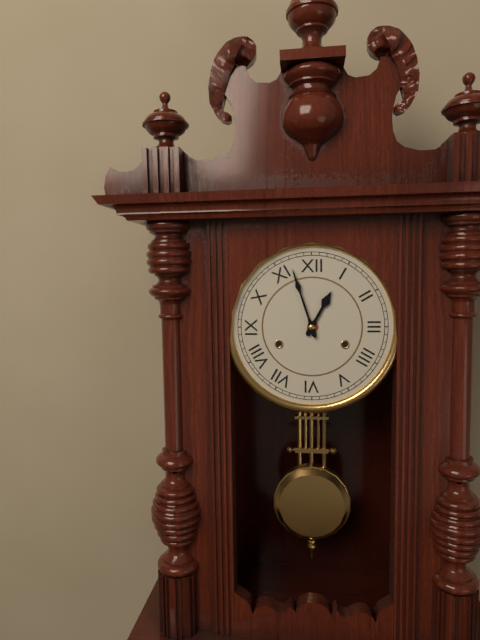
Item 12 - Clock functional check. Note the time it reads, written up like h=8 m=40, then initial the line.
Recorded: h=12 m=57
